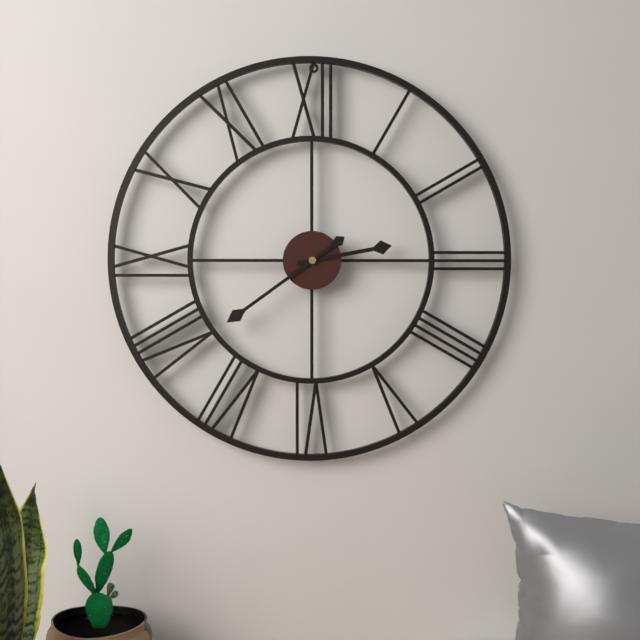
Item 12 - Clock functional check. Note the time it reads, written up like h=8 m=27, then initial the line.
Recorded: h=2 m=39
